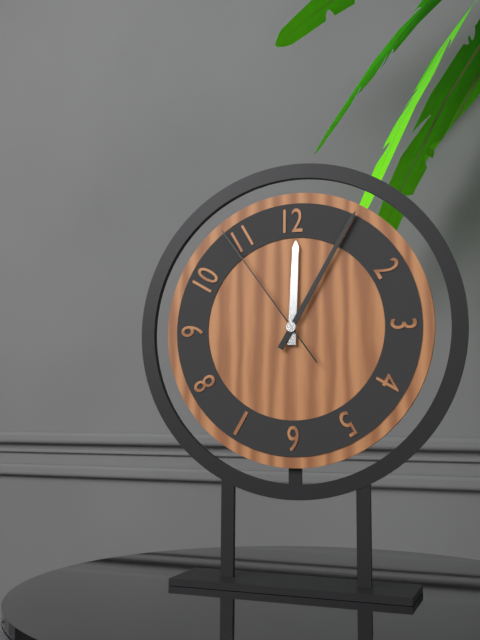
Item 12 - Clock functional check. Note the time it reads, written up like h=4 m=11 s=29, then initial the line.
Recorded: h=12 m=5 s=54
